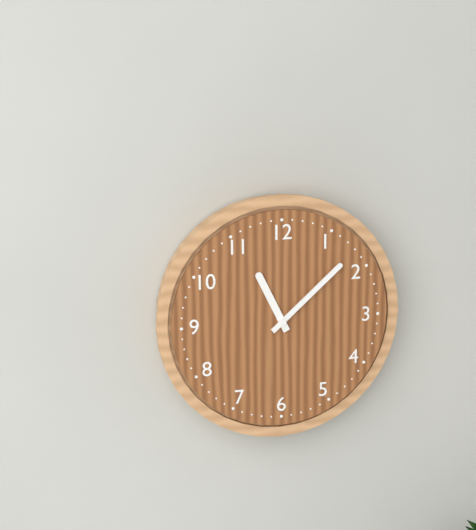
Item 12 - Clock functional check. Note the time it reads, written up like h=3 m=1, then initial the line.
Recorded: h=11 m=8
